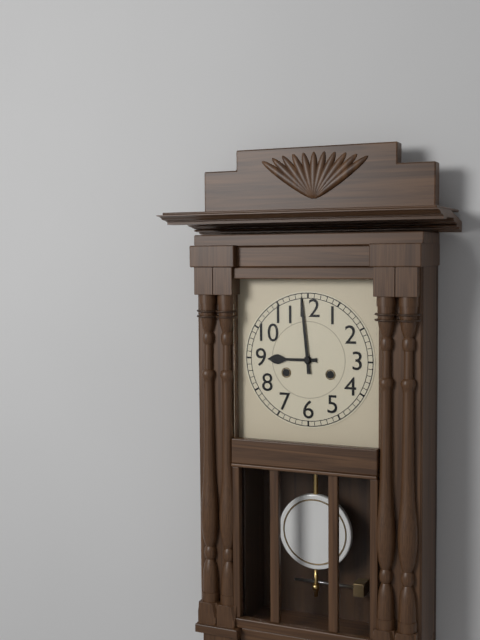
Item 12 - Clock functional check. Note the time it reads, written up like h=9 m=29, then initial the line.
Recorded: h=8 m=59
